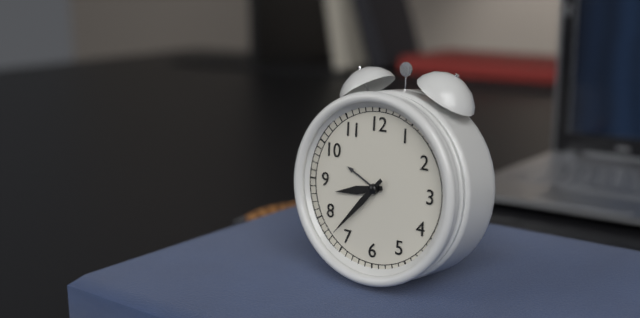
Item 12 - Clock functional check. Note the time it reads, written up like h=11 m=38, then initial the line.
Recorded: h=8 m=37
